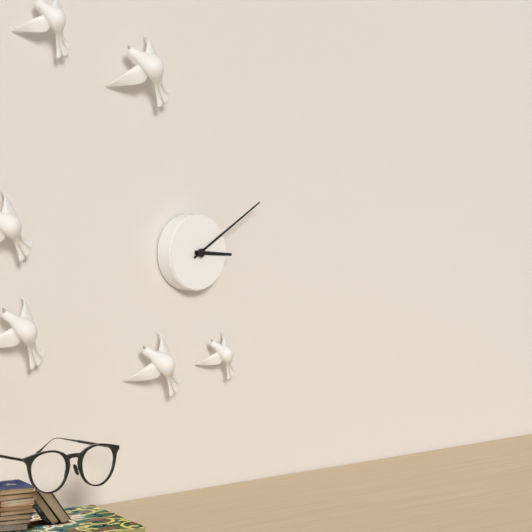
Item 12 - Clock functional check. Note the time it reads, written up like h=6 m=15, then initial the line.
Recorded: h=3 m=10
